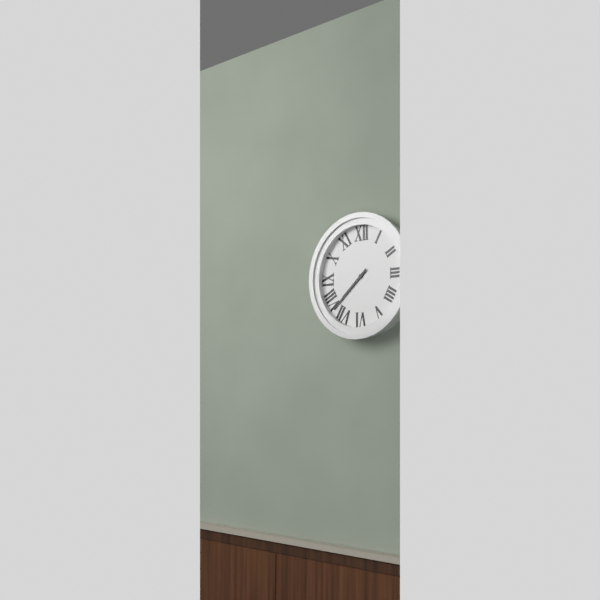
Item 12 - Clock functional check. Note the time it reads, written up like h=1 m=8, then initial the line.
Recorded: h=7 m=38
